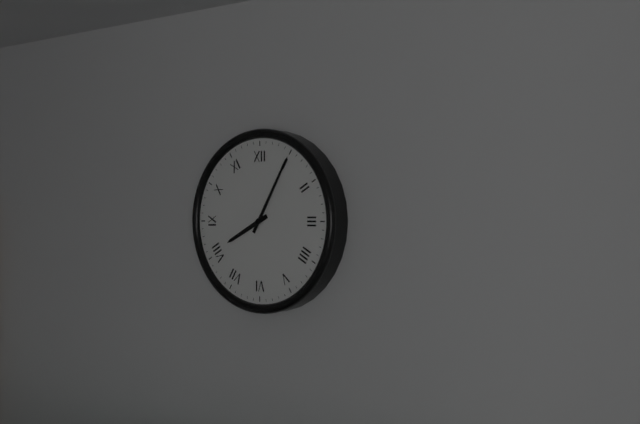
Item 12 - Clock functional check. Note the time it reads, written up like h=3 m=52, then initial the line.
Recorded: h=8 m=5
